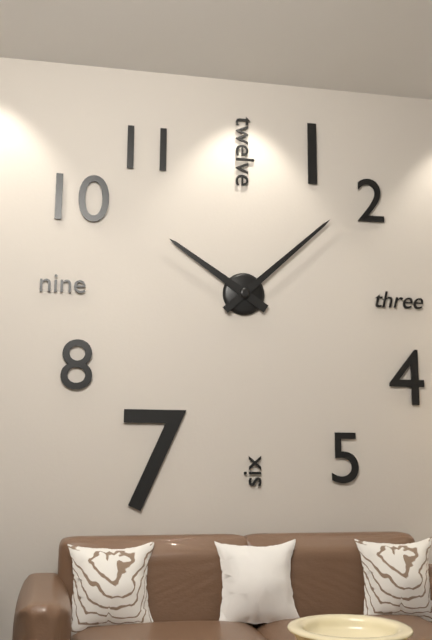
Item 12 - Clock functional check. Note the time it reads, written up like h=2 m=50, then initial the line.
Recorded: h=10 m=8
